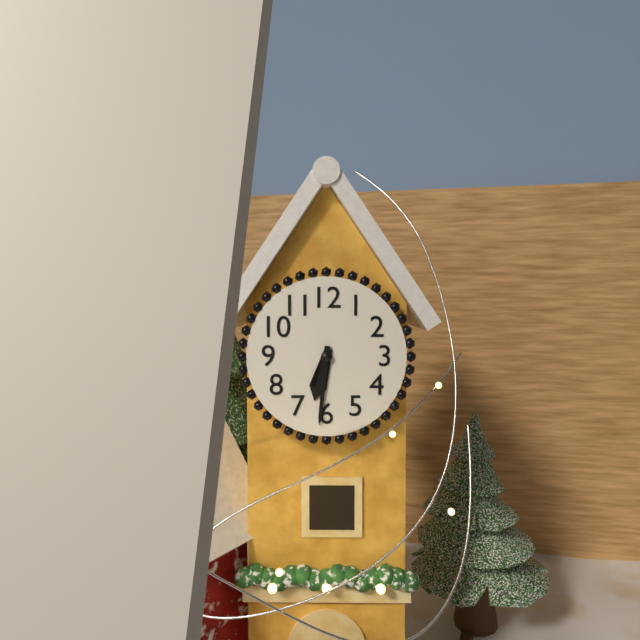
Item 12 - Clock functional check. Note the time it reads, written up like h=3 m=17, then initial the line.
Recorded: h=6 m=31
